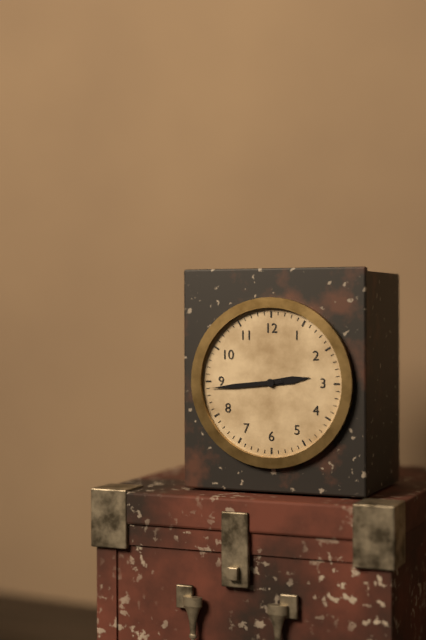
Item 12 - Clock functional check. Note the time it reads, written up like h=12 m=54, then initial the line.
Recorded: h=2 m=44
